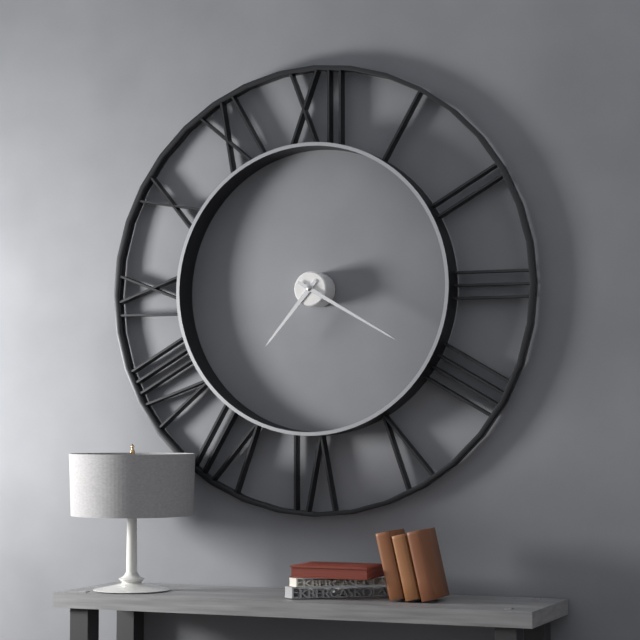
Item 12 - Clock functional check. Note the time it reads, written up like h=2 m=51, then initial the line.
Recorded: h=7 m=20
